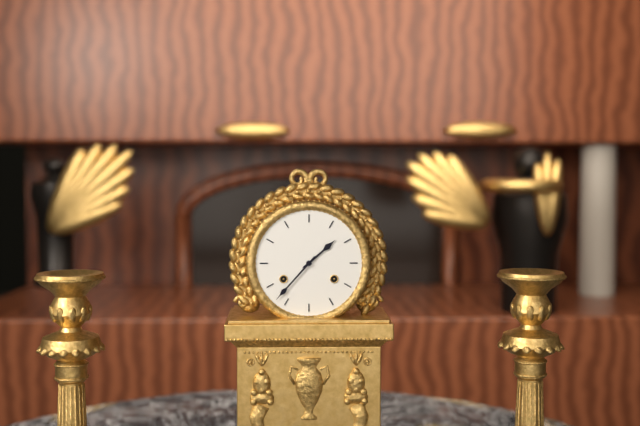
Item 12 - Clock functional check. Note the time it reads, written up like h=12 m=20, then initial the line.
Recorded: h=1 m=37
